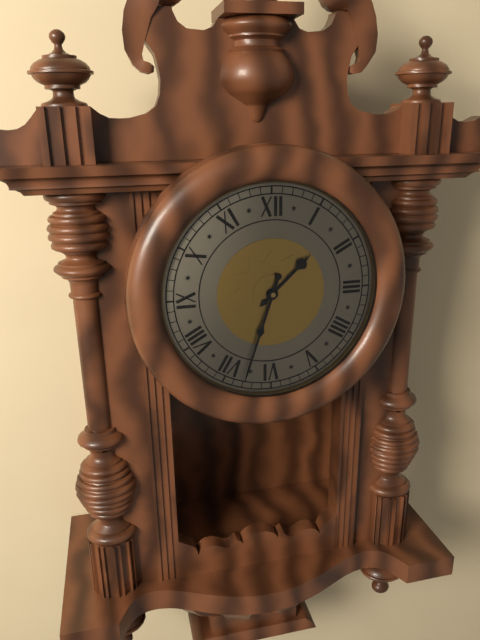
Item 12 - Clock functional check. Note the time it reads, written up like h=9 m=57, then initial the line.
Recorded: h=1 m=33
